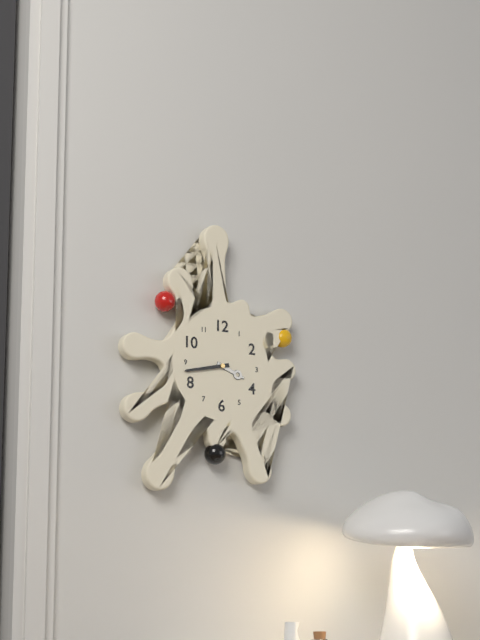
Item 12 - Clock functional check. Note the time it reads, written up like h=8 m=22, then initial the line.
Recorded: h=3 m=43
